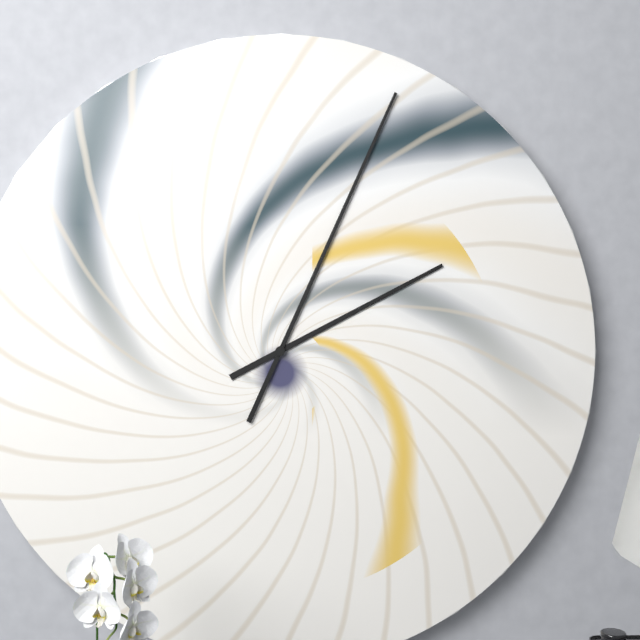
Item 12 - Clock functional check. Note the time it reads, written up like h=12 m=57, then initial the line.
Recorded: h=2 m=4
